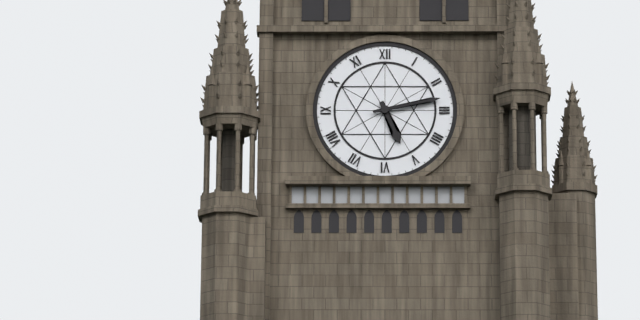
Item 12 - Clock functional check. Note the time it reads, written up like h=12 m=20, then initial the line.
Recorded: h=5 m=13
